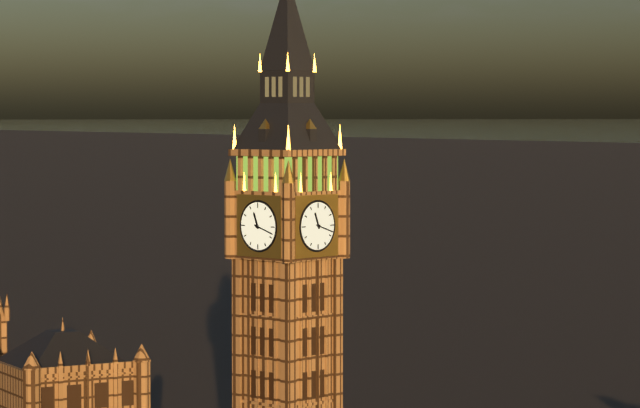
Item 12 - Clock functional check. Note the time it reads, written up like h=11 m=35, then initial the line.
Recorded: h=11 m=18
